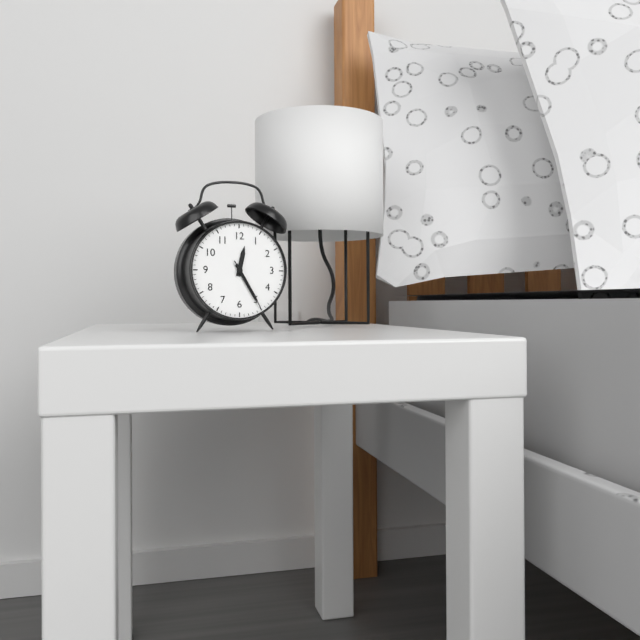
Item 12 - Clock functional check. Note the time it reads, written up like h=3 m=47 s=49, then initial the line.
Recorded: h=12 m=25 s=25
